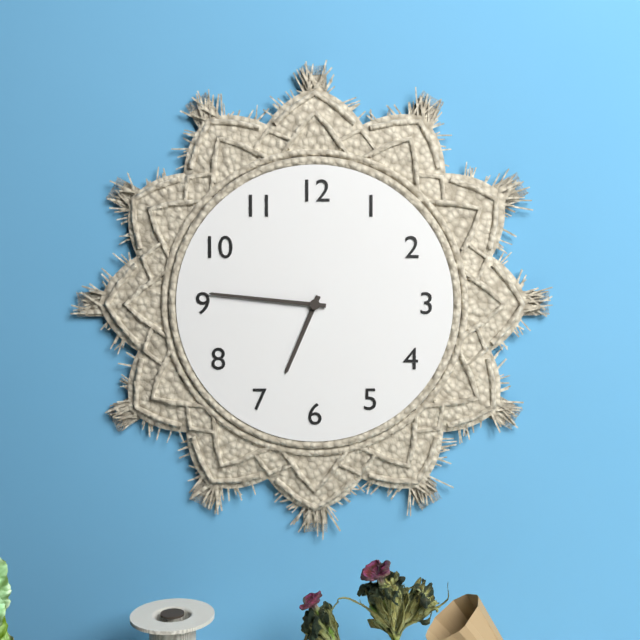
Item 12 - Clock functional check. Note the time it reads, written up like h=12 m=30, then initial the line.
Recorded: h=6 m=46
